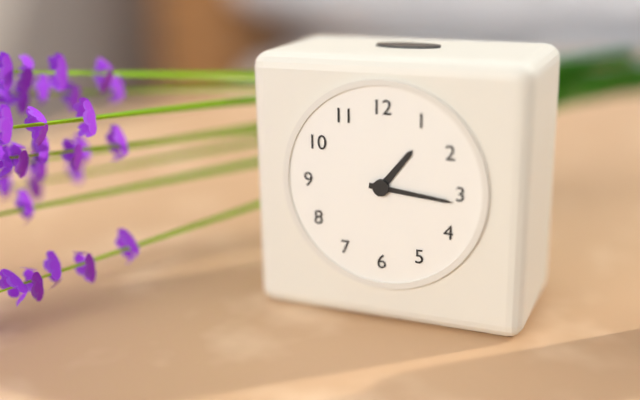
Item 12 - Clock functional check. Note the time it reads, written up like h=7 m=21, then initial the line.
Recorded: h=1 m=16
